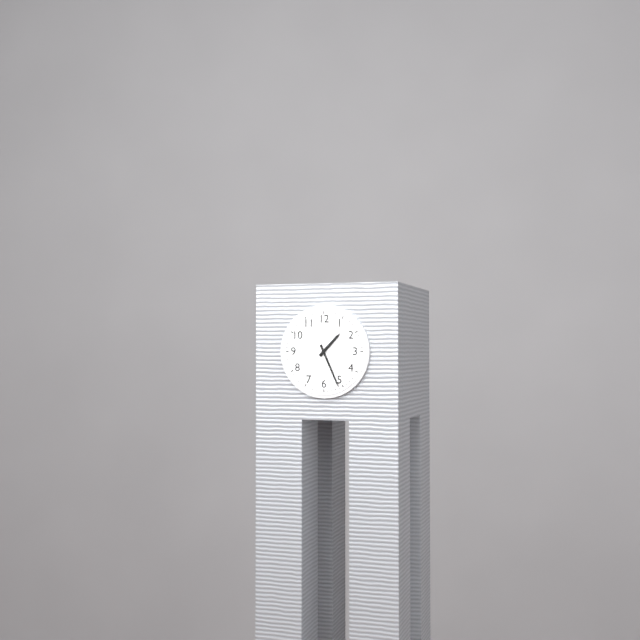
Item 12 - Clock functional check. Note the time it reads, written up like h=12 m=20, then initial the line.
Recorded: h=1 m=26
